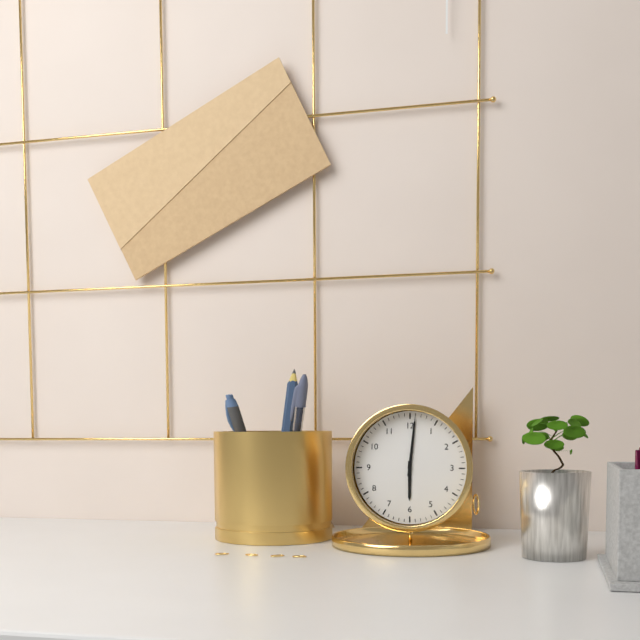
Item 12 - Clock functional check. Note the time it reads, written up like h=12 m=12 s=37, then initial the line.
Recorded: h=6 m=1 s=1
